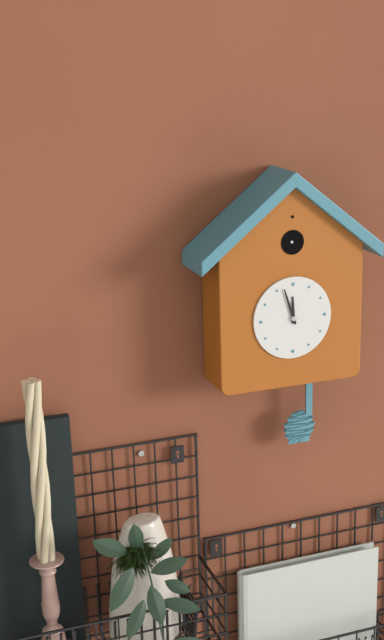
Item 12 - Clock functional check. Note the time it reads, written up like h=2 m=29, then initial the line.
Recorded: h=11 m=57
